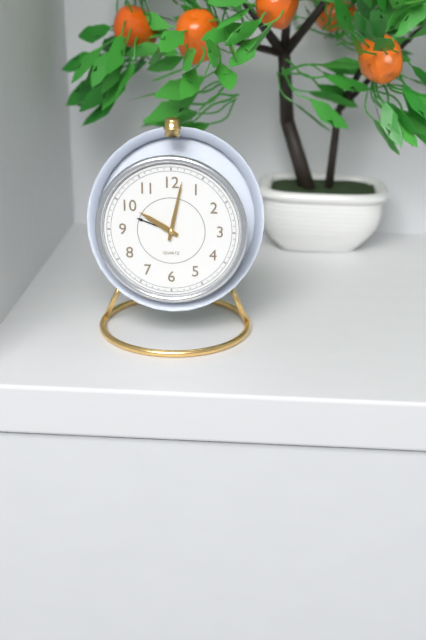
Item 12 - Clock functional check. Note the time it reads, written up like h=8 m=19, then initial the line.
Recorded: h=10 m=2
